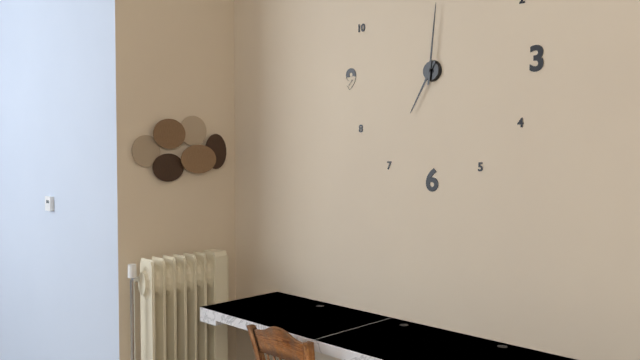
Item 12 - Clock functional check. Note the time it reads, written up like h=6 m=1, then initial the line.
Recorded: h=7 m=1
